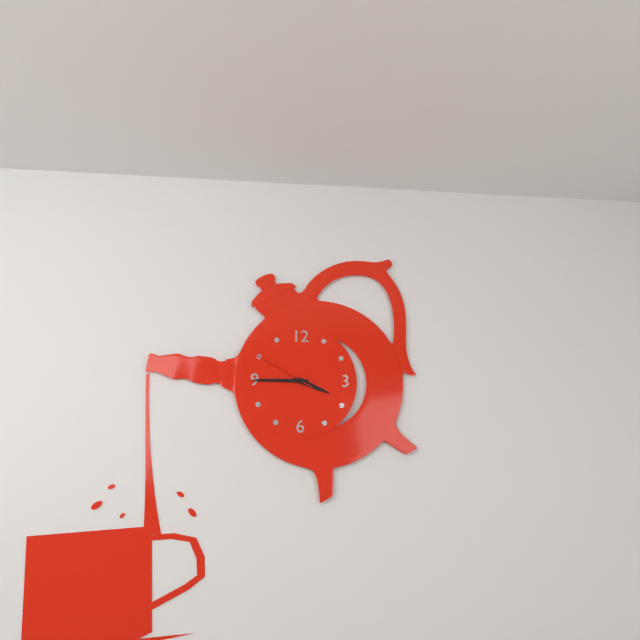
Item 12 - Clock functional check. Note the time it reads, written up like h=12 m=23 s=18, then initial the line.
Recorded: h=3 m=45 s=50
